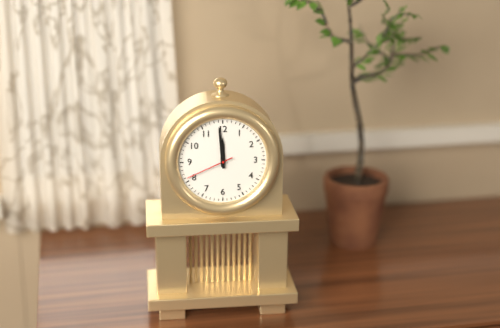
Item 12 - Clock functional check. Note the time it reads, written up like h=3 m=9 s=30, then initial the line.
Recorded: h=11 m=59 s=41
